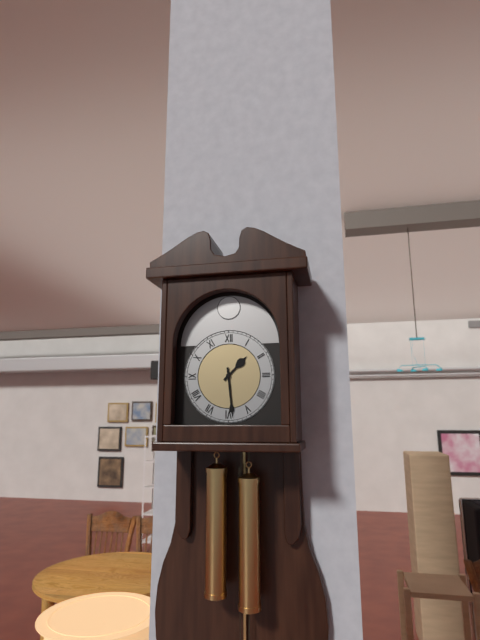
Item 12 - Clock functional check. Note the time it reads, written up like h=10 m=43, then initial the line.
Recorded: h=1 m=29
